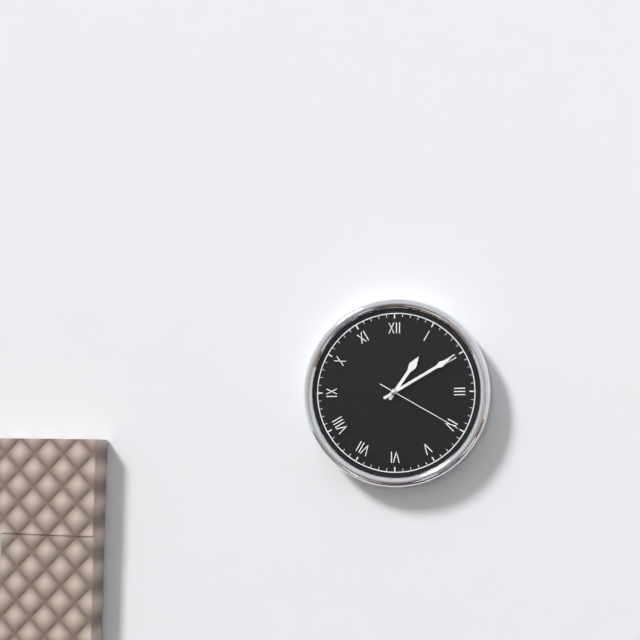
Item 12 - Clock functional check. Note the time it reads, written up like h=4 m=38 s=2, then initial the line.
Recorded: h=1 m=10 s=20
